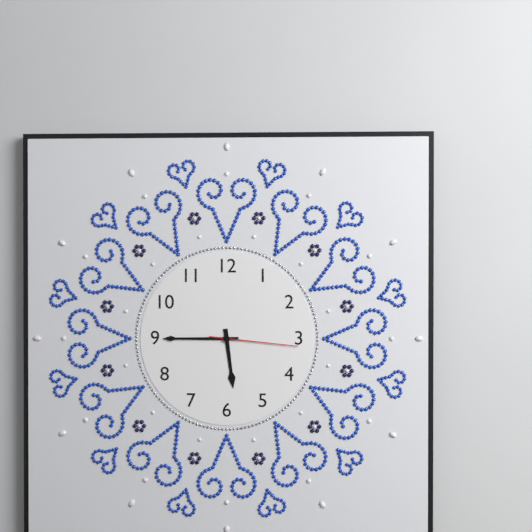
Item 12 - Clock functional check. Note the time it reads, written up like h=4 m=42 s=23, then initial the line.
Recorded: h=5 m=45 s=16
